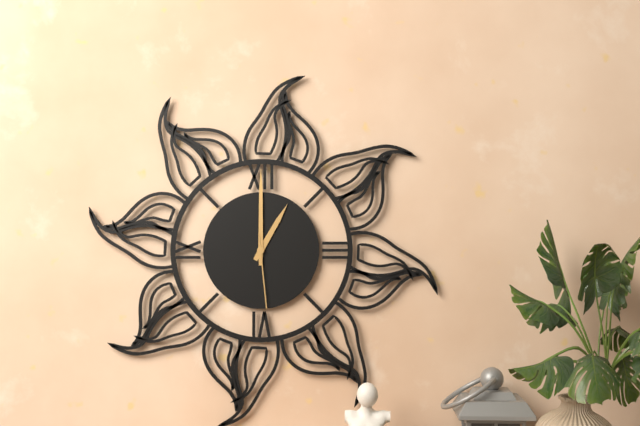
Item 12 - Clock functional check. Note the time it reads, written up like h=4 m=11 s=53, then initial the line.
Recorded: h=1 m=0 s=29
